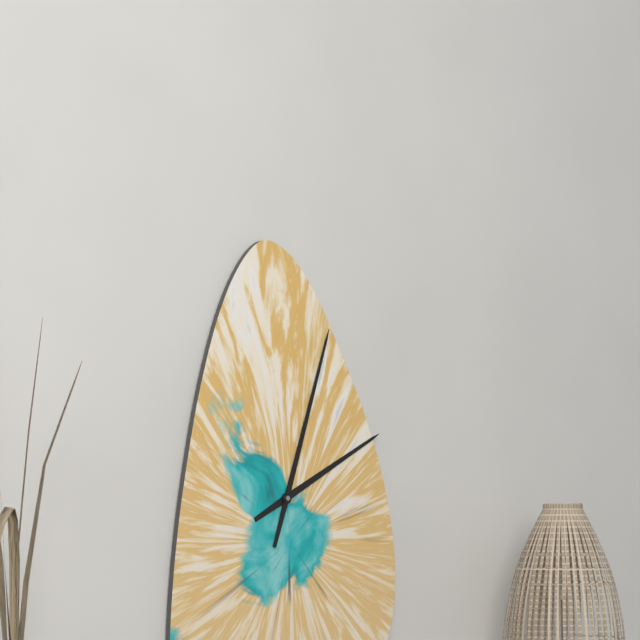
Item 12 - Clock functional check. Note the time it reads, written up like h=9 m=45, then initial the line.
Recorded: h=2 m=3
